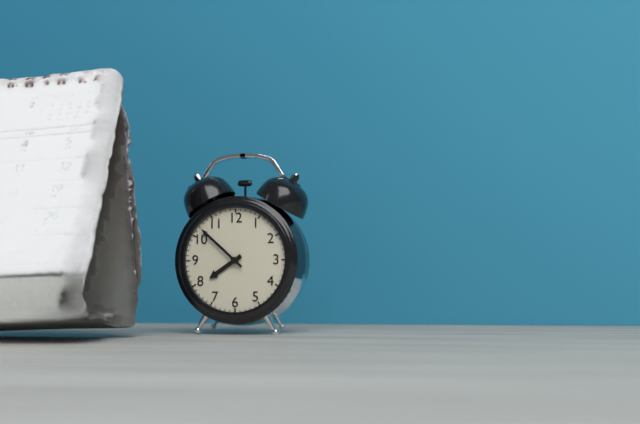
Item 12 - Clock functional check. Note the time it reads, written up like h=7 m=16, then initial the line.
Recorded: h=7 m=52
